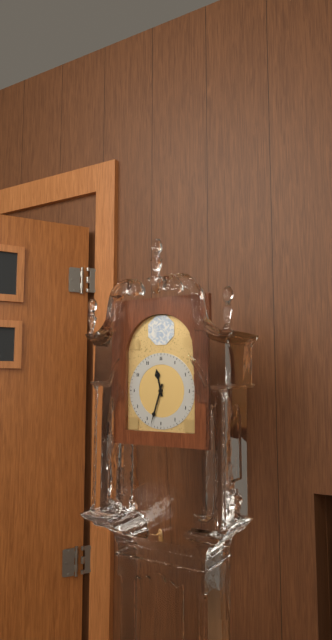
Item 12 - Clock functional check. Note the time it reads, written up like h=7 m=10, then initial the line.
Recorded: h=11 m=33
